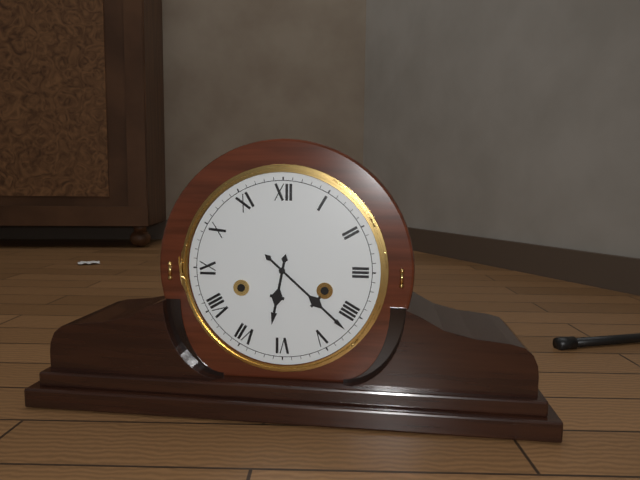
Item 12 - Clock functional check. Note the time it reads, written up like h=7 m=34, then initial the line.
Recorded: h=6 m=22
